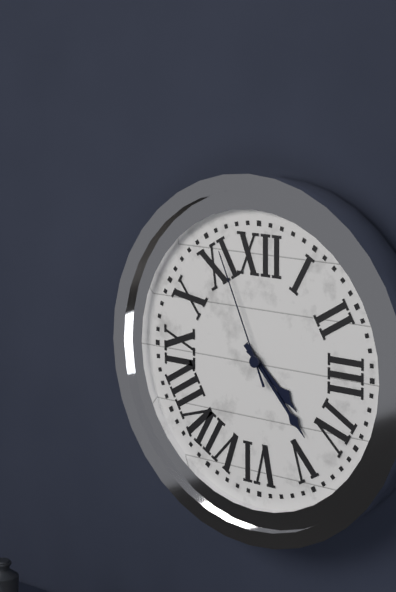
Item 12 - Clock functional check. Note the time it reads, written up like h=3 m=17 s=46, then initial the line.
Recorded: h=4 m=23 s=56
